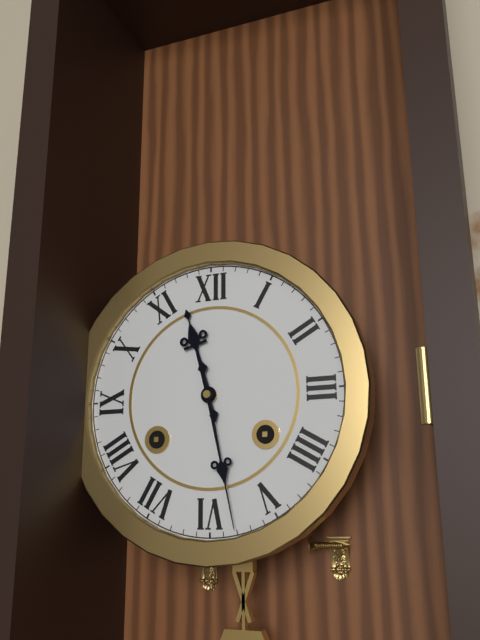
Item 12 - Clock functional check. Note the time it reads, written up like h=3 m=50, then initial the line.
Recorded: h=11 m=28
